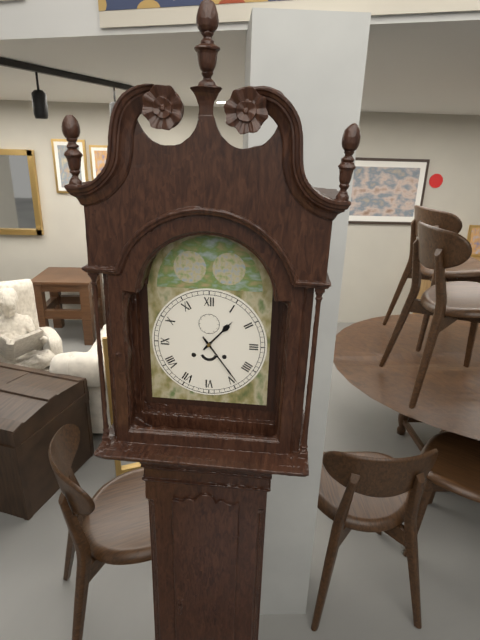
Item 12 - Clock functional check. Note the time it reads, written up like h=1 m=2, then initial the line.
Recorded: h=1 m=24
